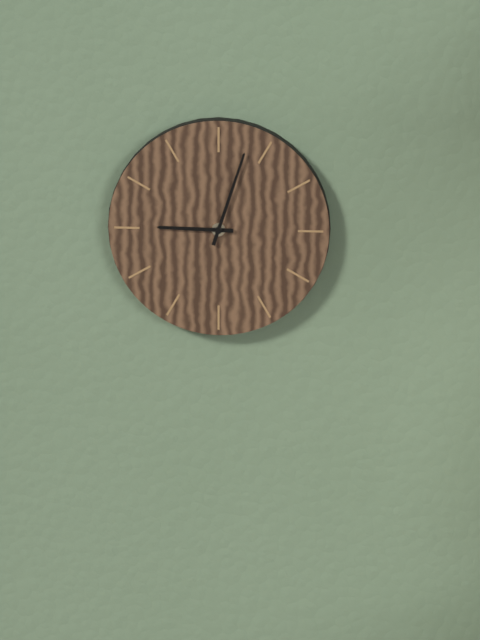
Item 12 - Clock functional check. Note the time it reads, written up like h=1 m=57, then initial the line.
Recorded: h=9 m=3
